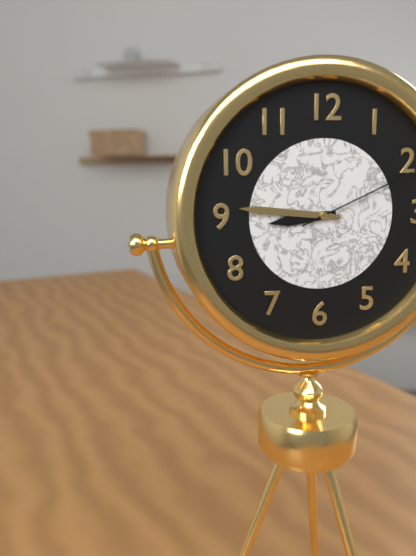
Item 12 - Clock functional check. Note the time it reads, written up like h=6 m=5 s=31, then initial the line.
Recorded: h=8 m=46 s=11
